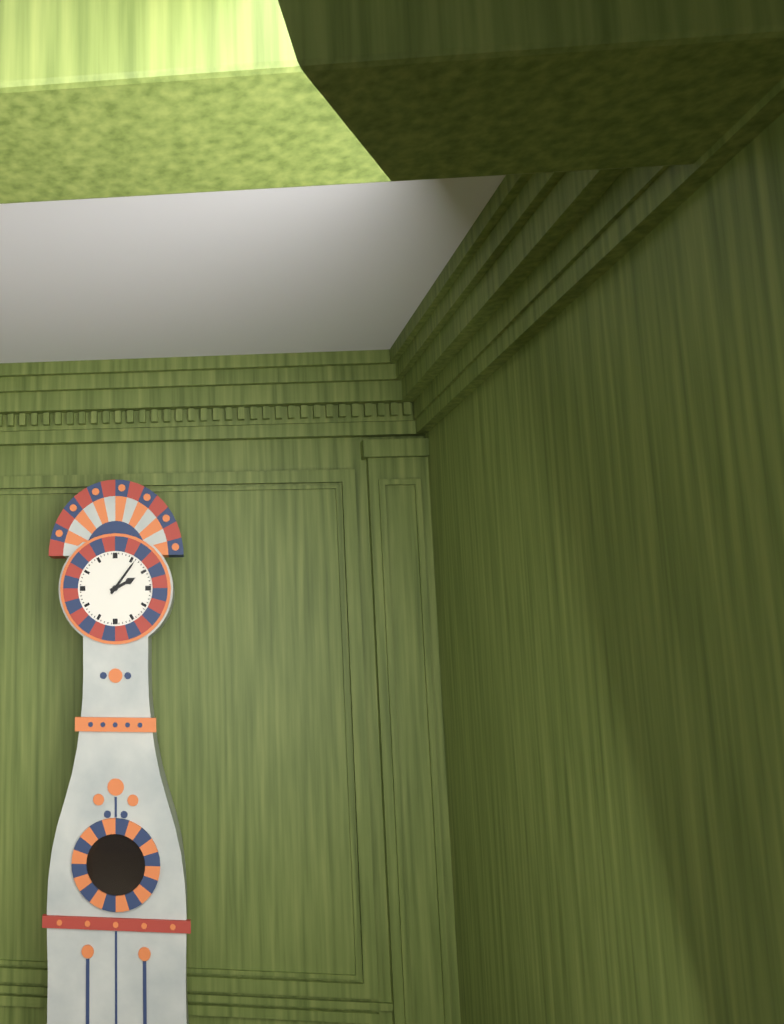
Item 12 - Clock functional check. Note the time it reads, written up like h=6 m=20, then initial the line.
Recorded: h=2 m=6
